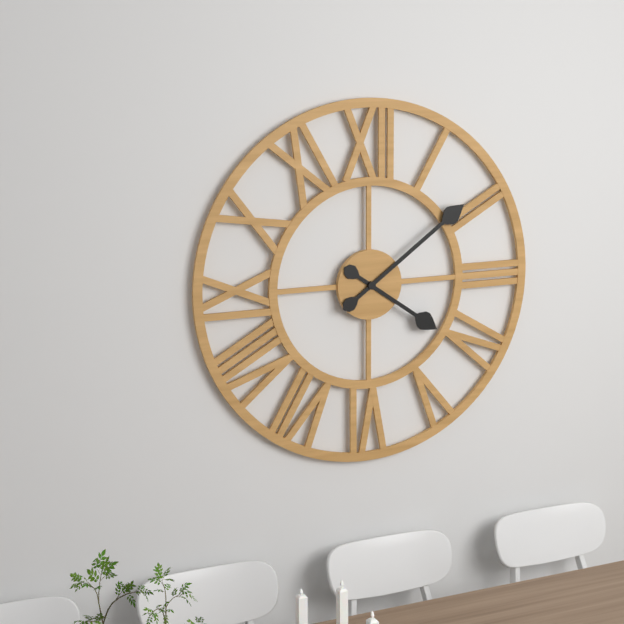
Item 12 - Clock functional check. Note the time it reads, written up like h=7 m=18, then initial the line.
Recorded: h=4 m=9
